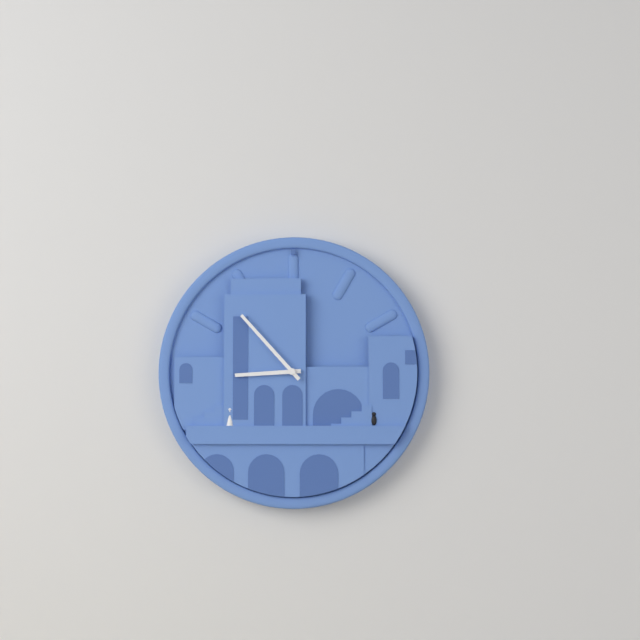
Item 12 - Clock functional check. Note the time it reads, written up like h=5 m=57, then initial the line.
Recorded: h=8 m=53
